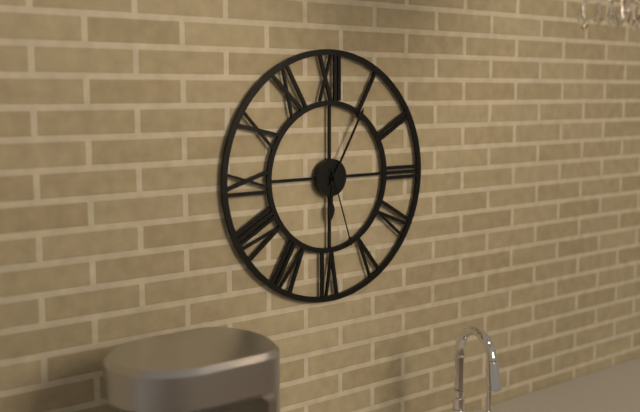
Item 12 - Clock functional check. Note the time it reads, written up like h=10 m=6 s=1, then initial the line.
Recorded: h=6 m=5 s=27
